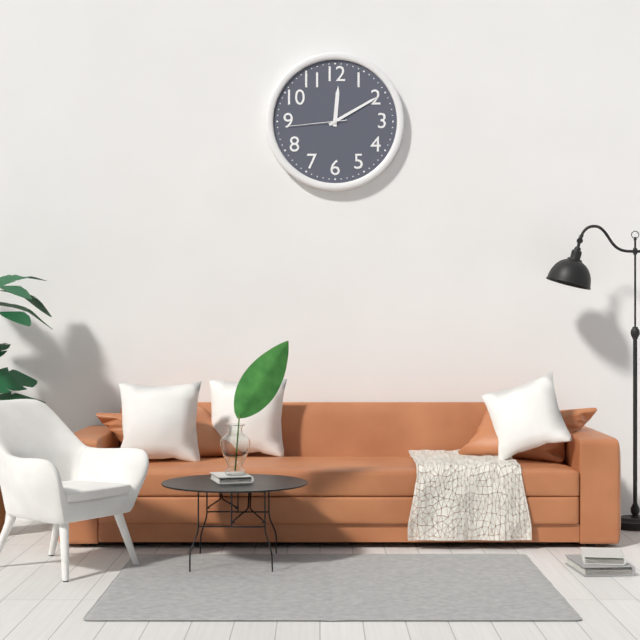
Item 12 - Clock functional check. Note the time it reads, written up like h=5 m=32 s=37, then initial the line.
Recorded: h=12 m=10 s=44
